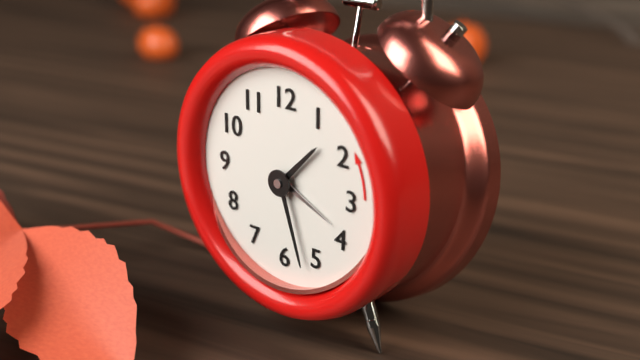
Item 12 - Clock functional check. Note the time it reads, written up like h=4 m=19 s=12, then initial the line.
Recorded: h=1 m=27 s=19
